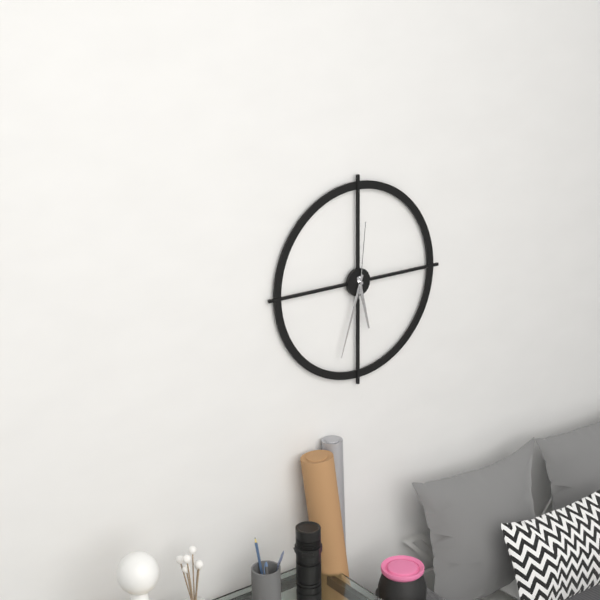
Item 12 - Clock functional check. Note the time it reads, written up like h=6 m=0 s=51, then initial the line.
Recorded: h=5 m=33 s=1
